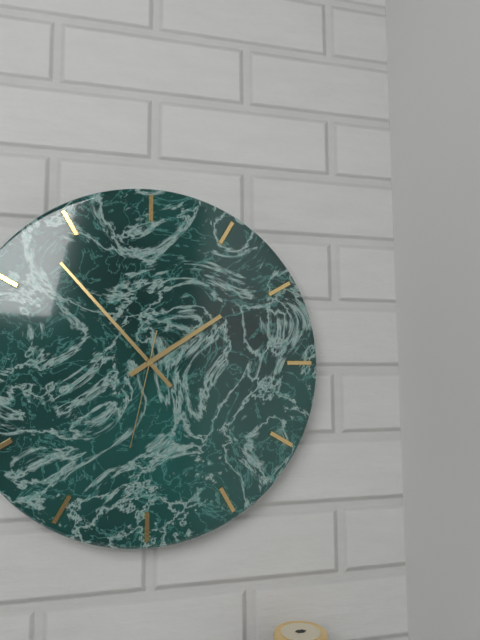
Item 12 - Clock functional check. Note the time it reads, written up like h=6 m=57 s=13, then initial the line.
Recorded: h=1 m=53 s=32
